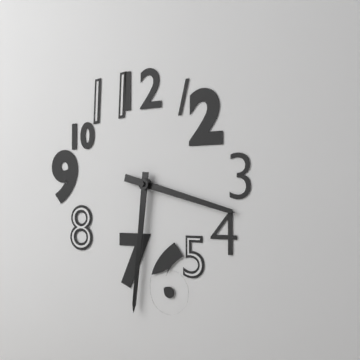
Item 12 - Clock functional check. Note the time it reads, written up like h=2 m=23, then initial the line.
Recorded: h=3 m=31
